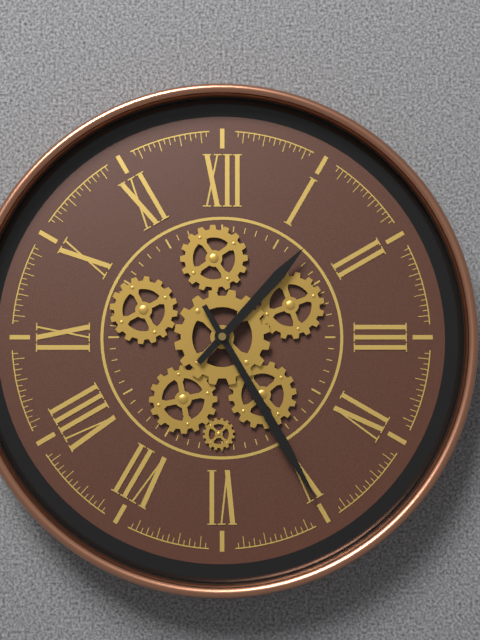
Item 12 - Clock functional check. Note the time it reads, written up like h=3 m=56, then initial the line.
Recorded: h=1 m=25
